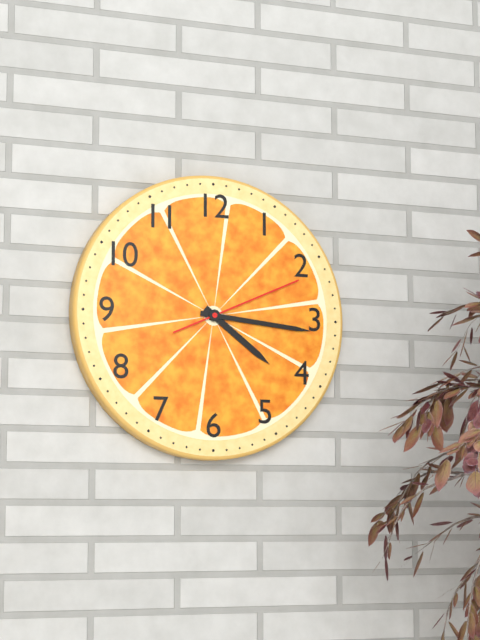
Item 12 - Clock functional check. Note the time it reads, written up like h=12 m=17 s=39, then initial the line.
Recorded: h=4 m=16 s=11
